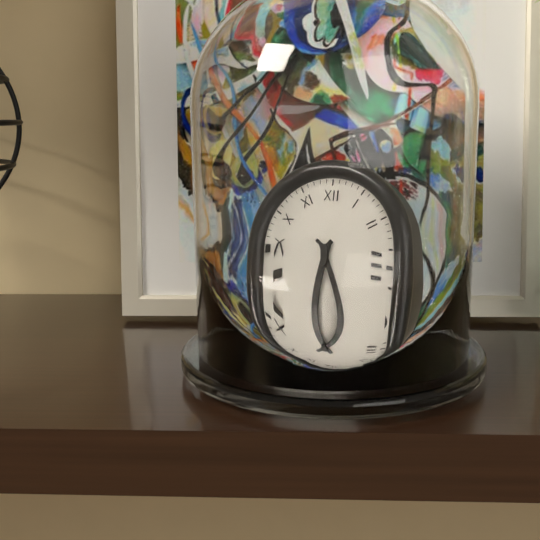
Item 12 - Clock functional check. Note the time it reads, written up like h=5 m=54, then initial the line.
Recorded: h=7 m=21
